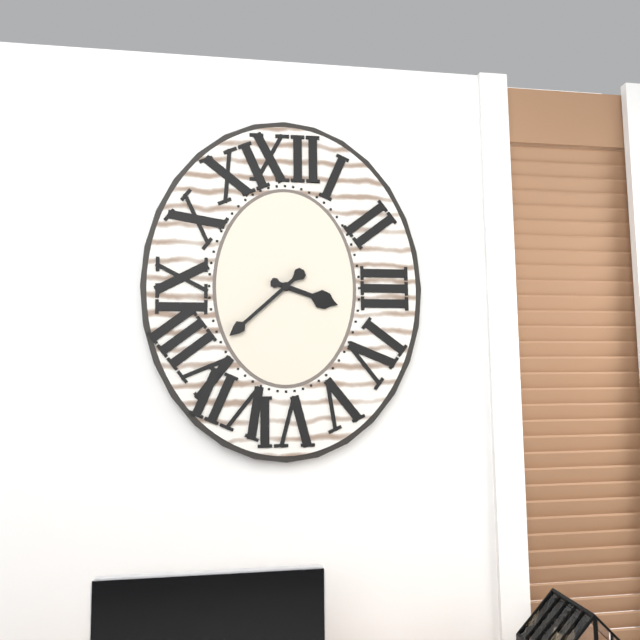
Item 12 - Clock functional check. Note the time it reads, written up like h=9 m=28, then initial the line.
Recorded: h=3 m=38
